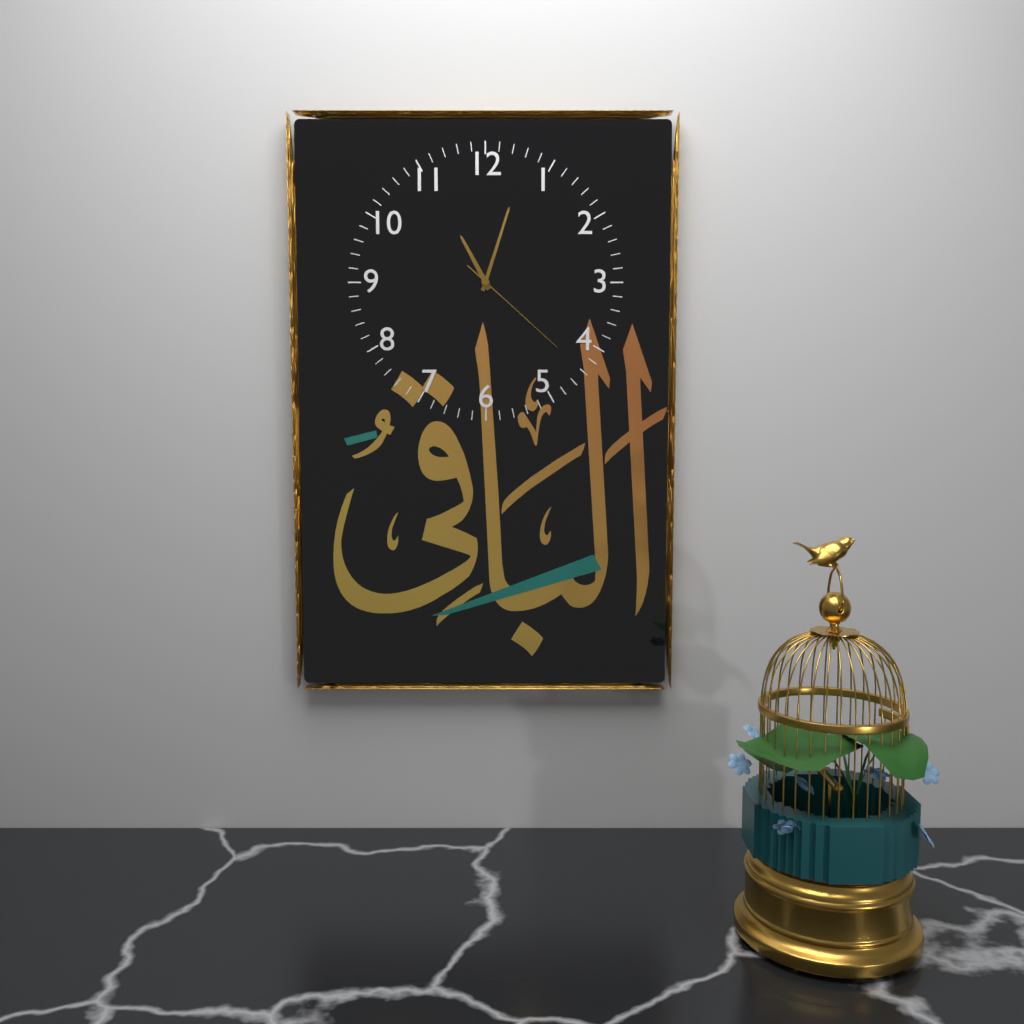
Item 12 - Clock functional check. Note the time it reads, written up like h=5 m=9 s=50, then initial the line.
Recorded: h=11 m=3 s=22
